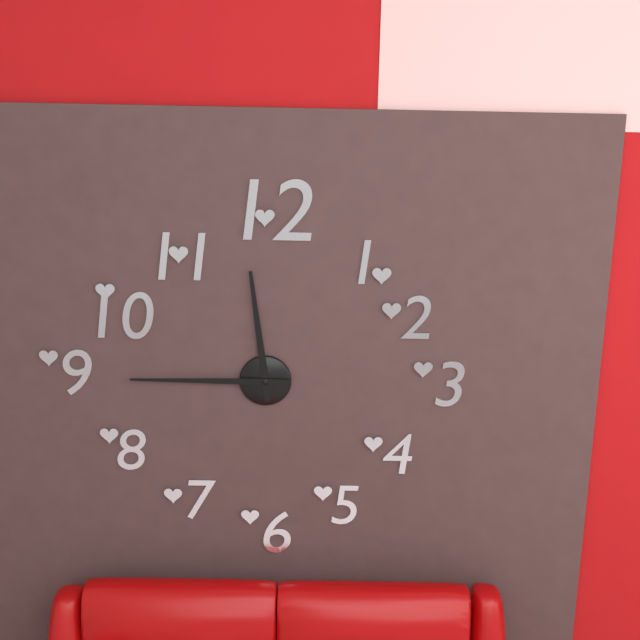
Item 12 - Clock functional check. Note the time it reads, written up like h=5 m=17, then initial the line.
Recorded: h=11 m=45
